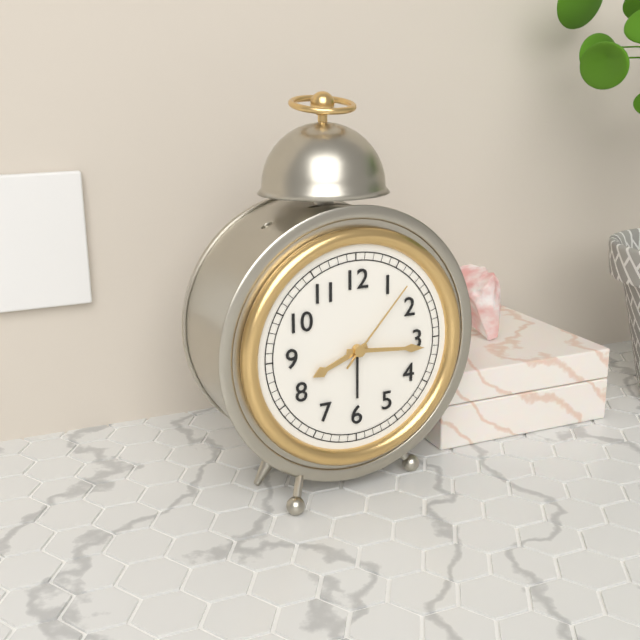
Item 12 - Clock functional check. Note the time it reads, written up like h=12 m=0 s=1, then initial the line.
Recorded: h=8 m=16 s=7
